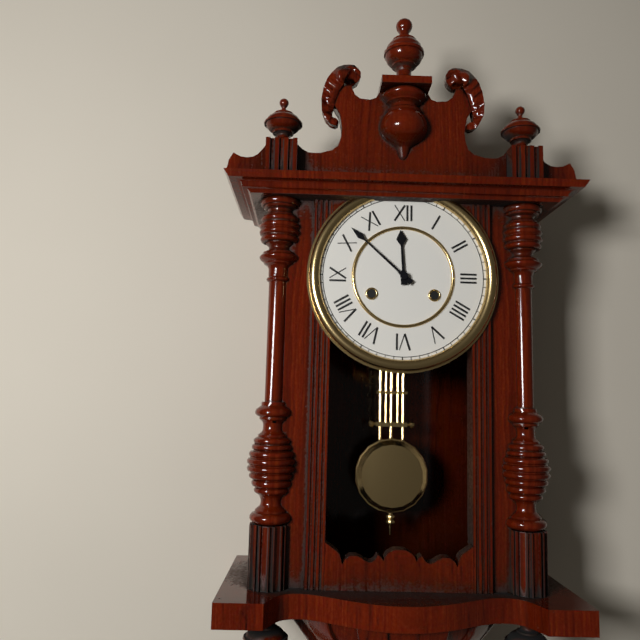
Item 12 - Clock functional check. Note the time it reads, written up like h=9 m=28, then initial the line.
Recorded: h=11 m=52
